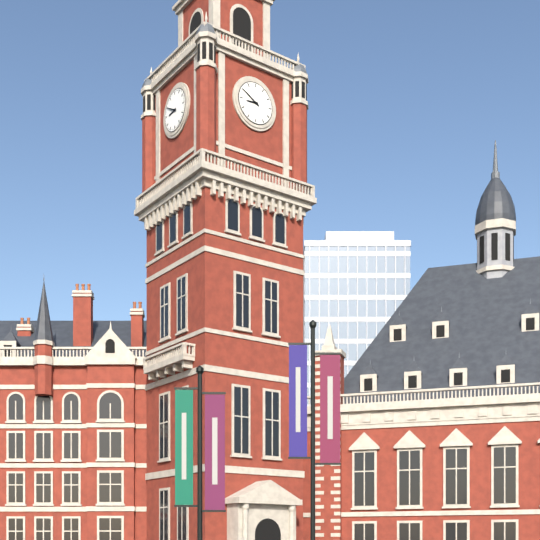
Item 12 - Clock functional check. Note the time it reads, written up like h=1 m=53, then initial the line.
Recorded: h=8 m=50
